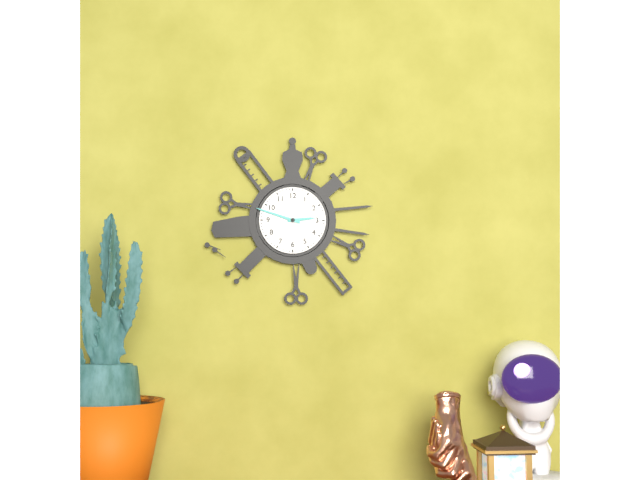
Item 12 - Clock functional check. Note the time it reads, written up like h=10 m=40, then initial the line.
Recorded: h=2 m=48
